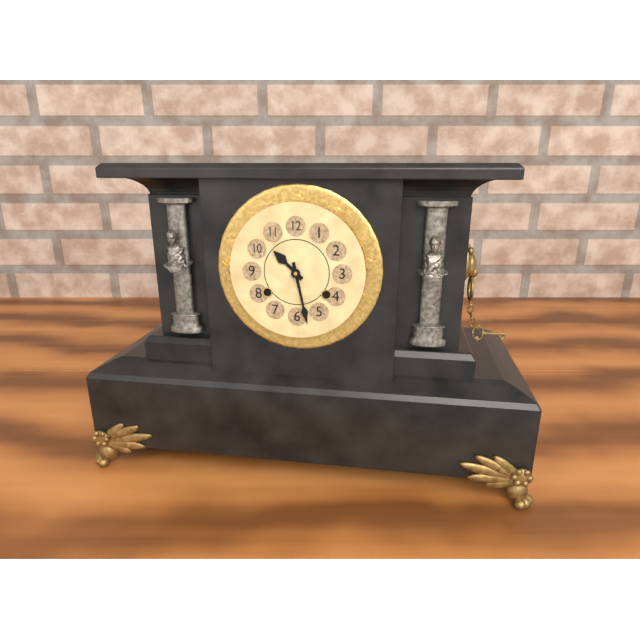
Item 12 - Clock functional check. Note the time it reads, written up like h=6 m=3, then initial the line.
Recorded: h=10 m=28
